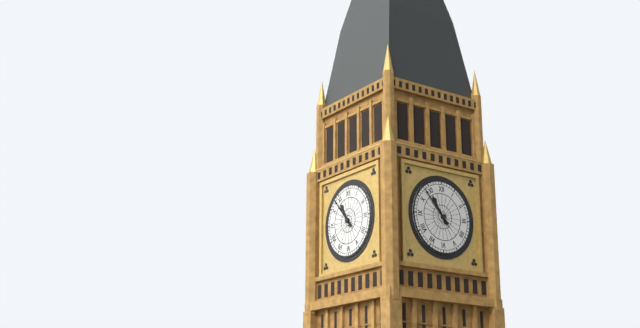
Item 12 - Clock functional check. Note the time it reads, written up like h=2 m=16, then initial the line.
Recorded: h=10 m=53
